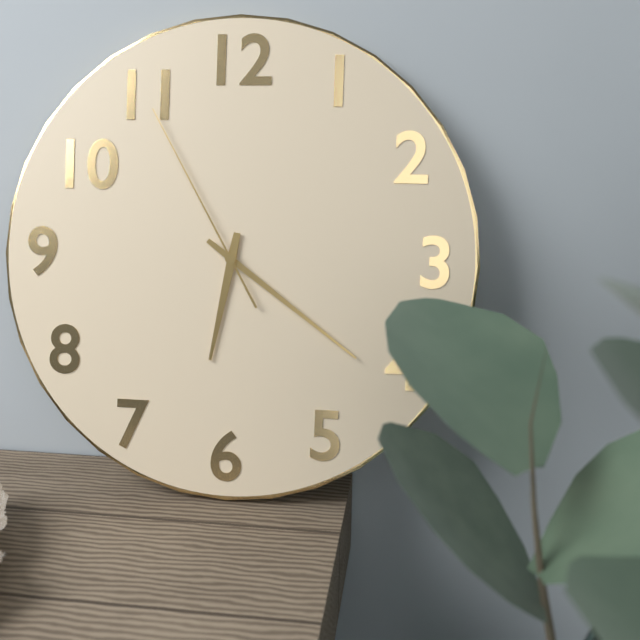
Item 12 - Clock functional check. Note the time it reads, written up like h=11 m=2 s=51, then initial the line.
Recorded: h=6 m=21 s=55
